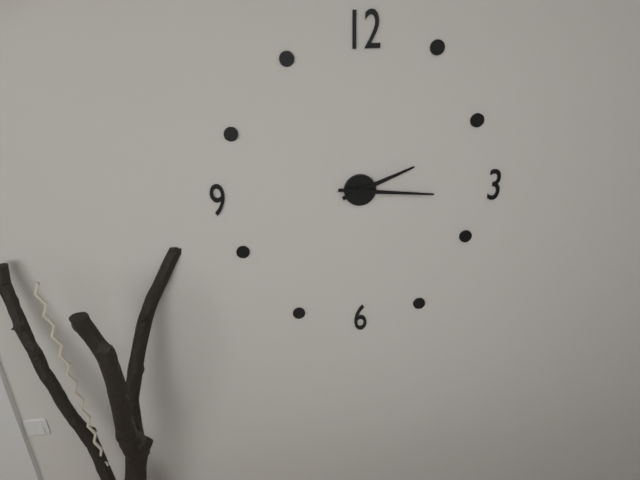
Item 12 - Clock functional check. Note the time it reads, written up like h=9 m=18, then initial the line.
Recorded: h=2 m=16
